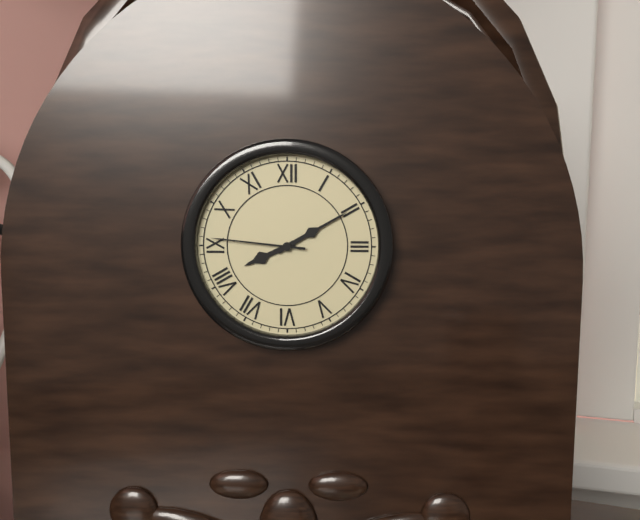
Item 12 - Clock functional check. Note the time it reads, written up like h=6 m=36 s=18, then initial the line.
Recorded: h=8 m=10 s=46
